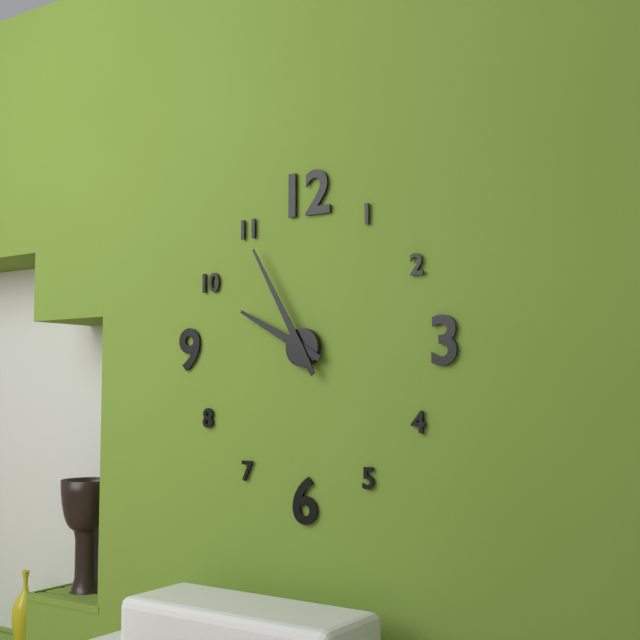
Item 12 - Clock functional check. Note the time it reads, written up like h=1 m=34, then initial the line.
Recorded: h=9 m=55
